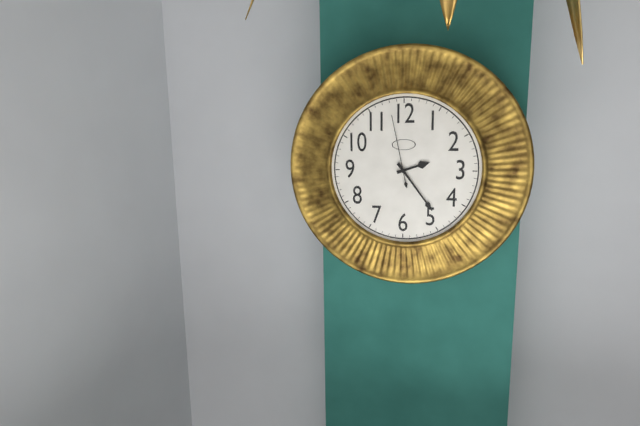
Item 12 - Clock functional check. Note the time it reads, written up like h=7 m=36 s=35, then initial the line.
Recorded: h=2 m=24 s=58
